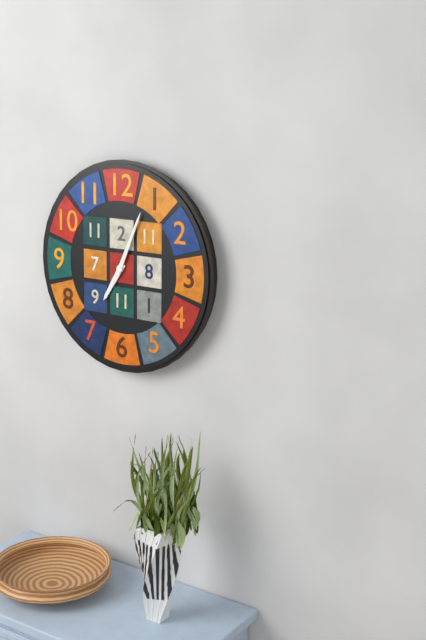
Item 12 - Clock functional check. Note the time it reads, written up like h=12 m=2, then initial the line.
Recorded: h=7 m=4
